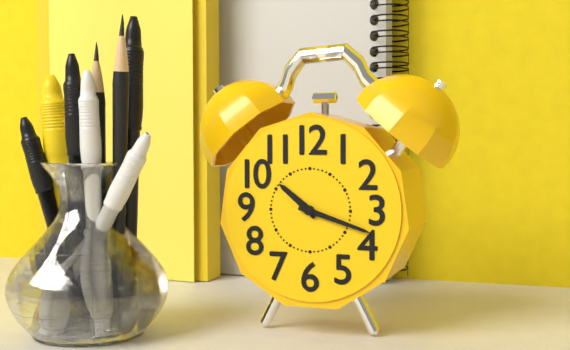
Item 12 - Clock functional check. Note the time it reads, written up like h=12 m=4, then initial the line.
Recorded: h=10 m=18
